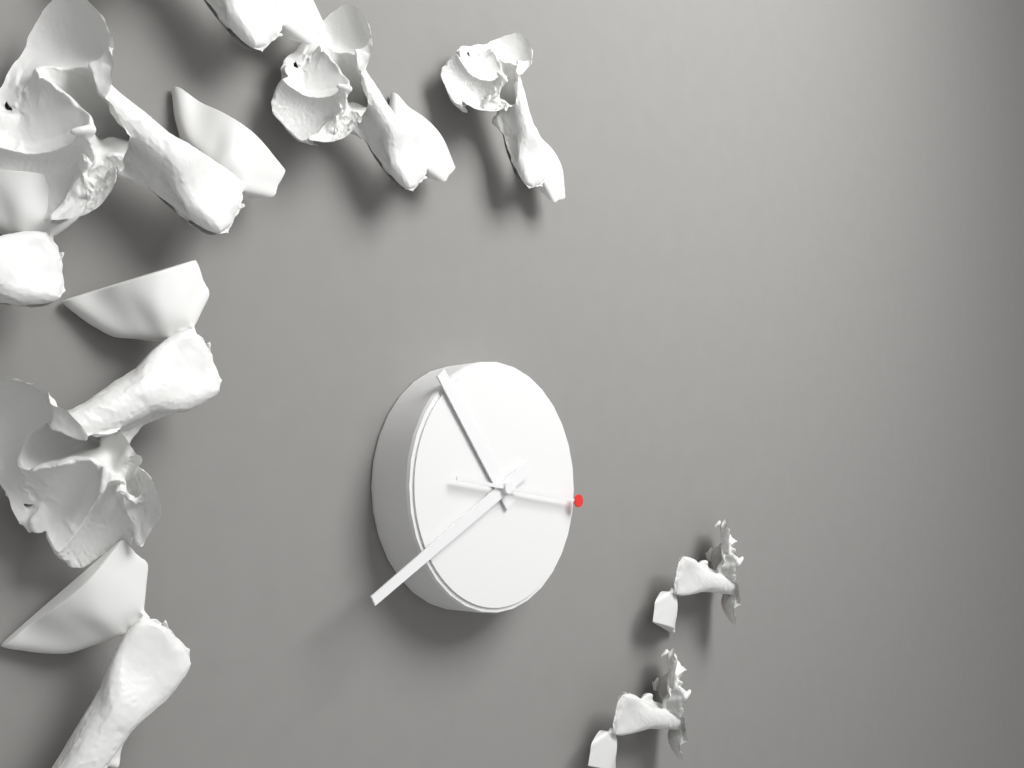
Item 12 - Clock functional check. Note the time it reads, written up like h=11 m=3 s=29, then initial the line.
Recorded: h=10 m=40 s=16
